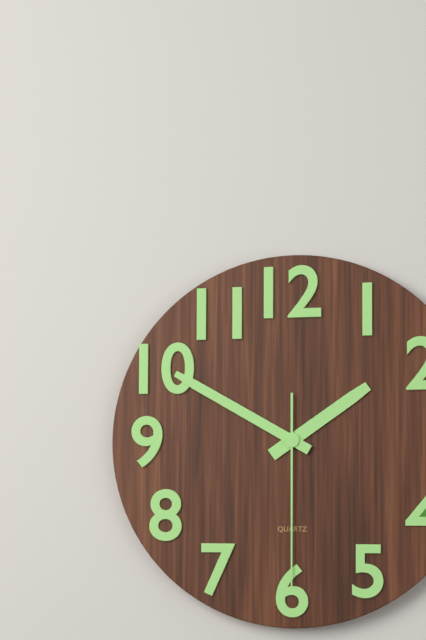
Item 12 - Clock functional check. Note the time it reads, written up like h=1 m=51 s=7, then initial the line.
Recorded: h=1 m=50 s=30
